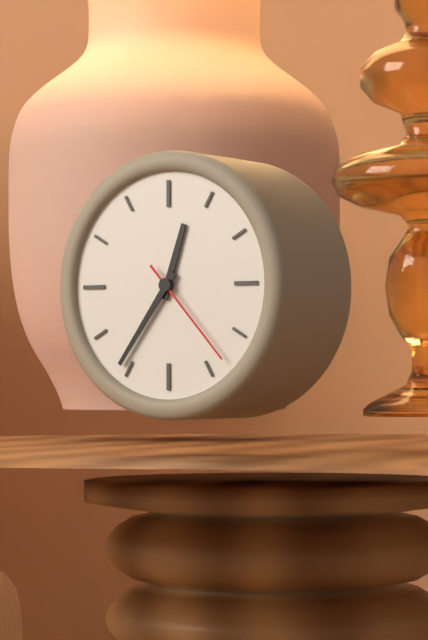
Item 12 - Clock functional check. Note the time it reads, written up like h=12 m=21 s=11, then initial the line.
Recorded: h=12 m=36 s=23
